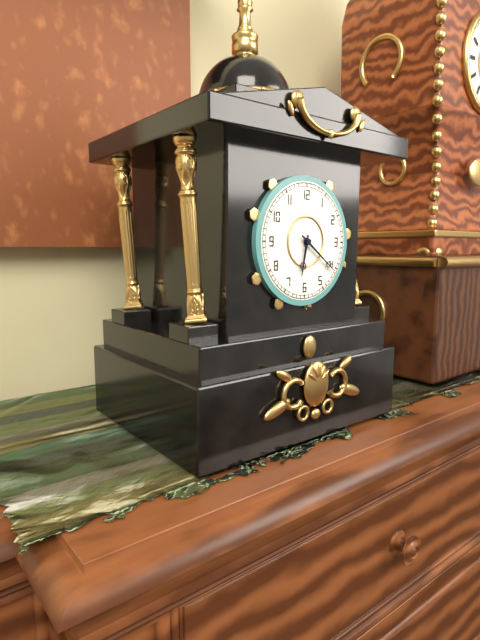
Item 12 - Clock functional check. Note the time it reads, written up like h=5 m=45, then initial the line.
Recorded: h=6 m=21
